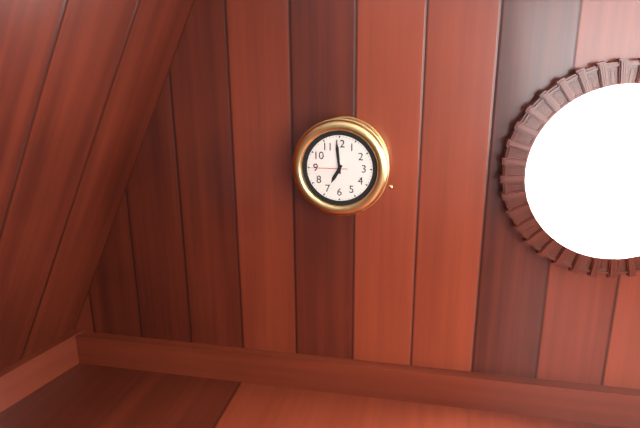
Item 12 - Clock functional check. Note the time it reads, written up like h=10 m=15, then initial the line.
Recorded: h=6 m=59
